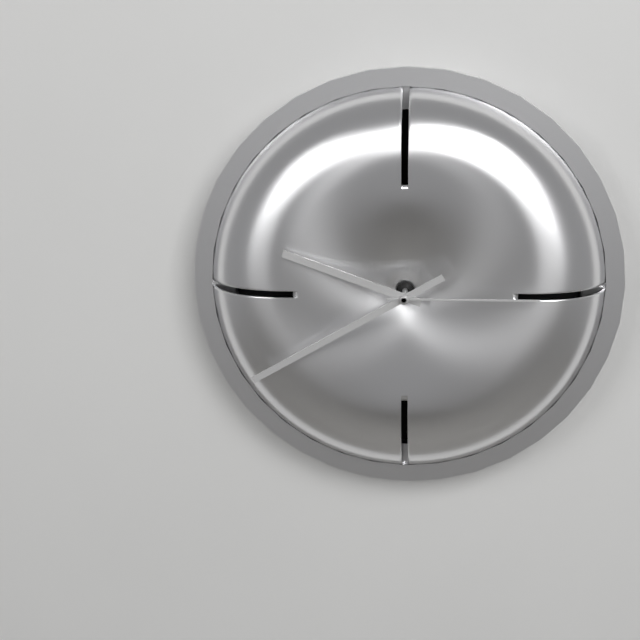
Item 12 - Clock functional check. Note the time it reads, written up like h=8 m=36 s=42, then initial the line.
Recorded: h=9 m=40 s=15
